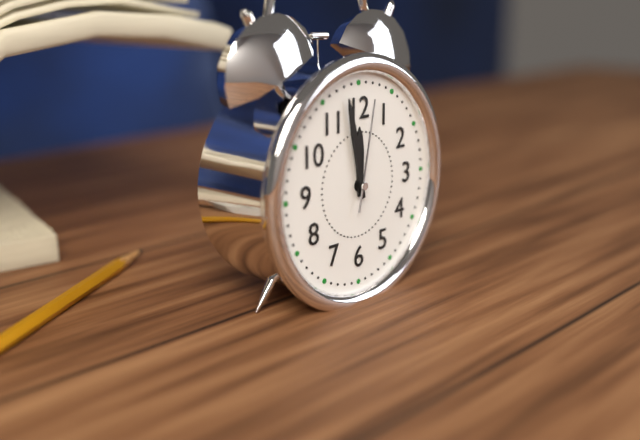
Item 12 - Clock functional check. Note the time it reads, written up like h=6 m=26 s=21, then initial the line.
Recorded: h=11 m=58 s=2
